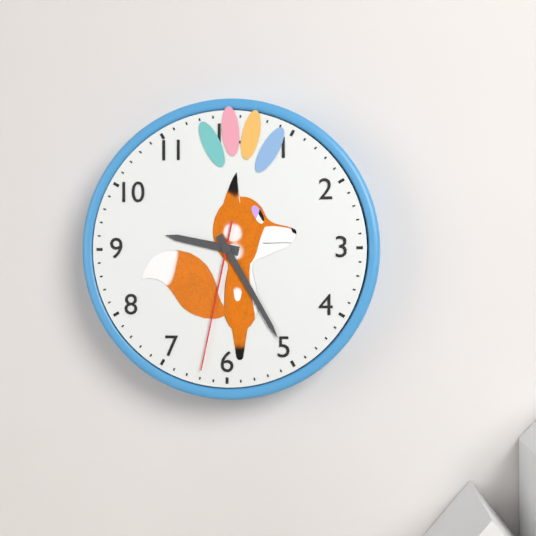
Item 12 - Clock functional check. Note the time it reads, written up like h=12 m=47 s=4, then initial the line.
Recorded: h=9 m=25 s=32
